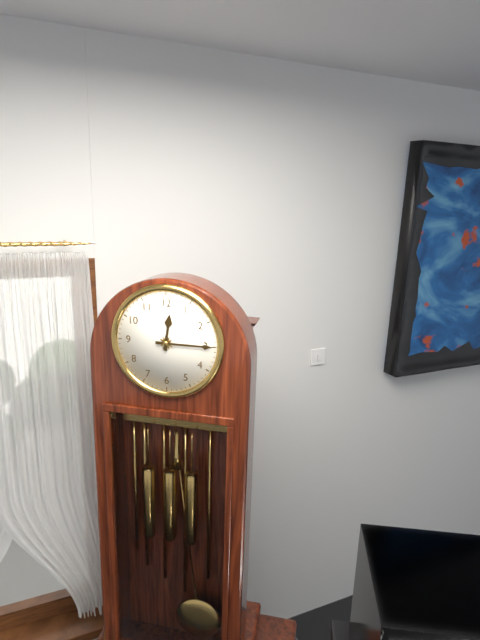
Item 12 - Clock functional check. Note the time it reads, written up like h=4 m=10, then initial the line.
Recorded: h=12 m=15
